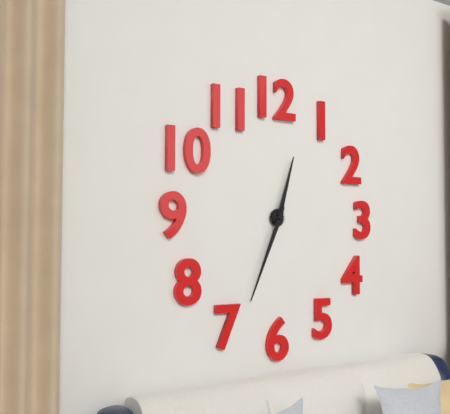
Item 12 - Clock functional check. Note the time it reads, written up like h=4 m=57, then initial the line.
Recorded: h=12 m=34
